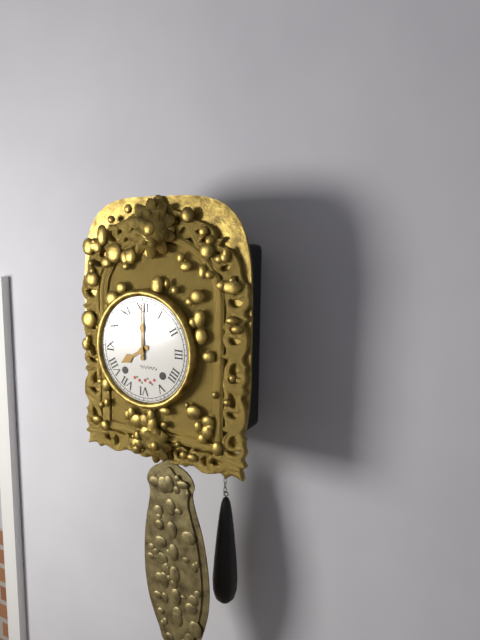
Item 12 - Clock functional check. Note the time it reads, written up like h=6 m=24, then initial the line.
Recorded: h=8 m=0
